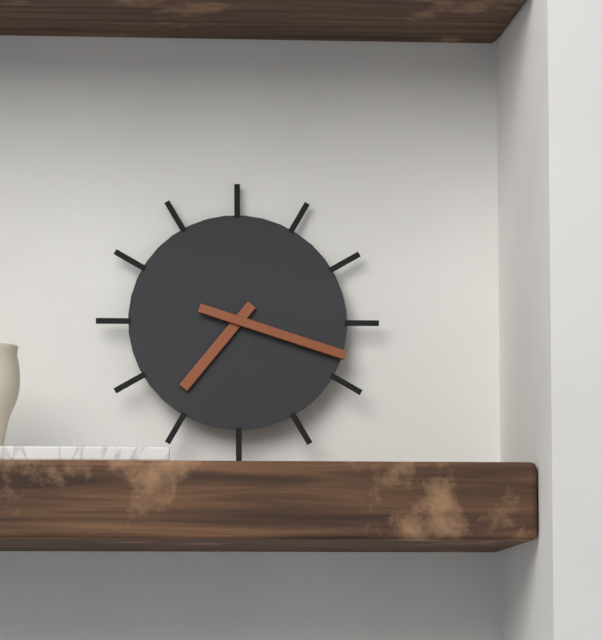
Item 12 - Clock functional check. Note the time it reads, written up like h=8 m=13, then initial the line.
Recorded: h=7 m=18
